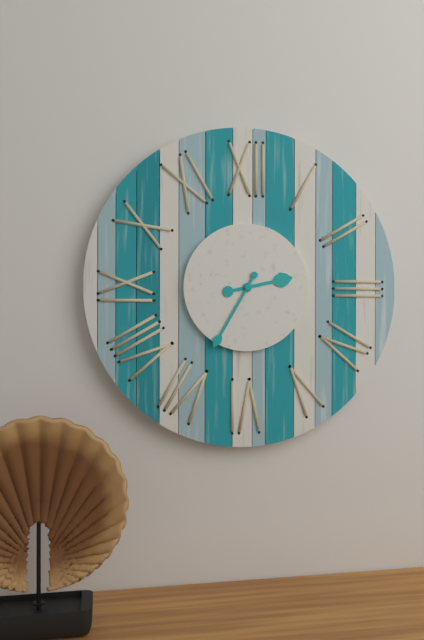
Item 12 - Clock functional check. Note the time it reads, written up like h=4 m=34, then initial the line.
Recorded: h=2 m=35
